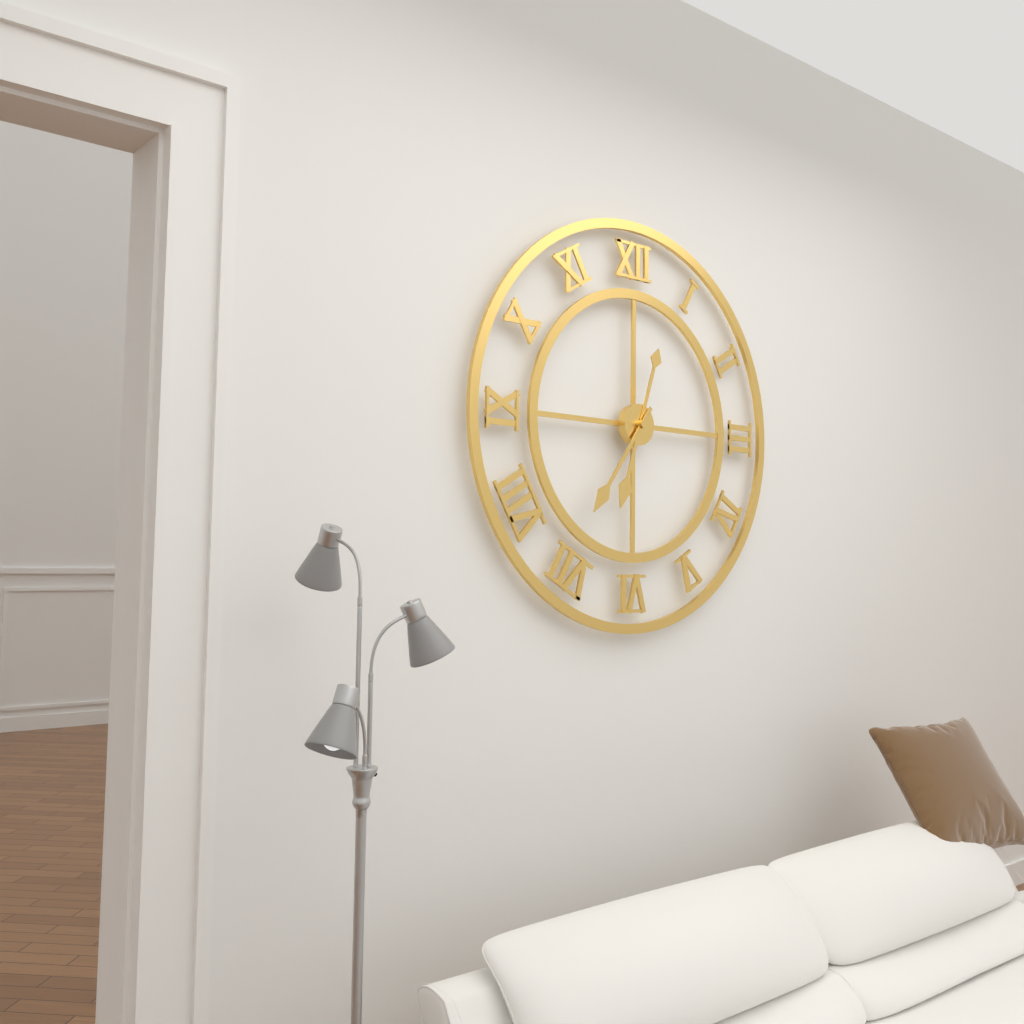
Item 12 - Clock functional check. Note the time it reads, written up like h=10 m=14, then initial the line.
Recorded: h=6 m=36
